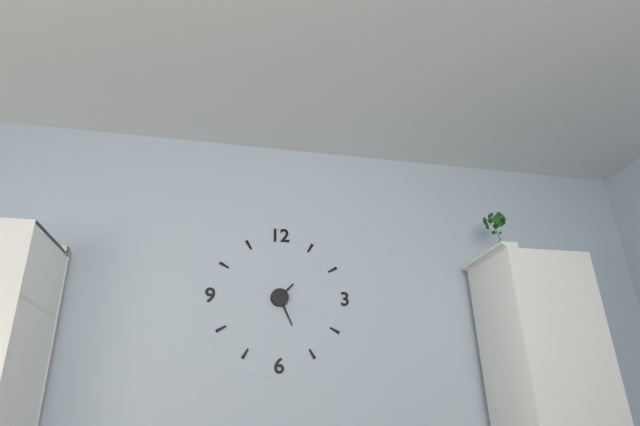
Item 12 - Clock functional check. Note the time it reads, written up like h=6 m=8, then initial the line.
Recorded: h=1 m=26
